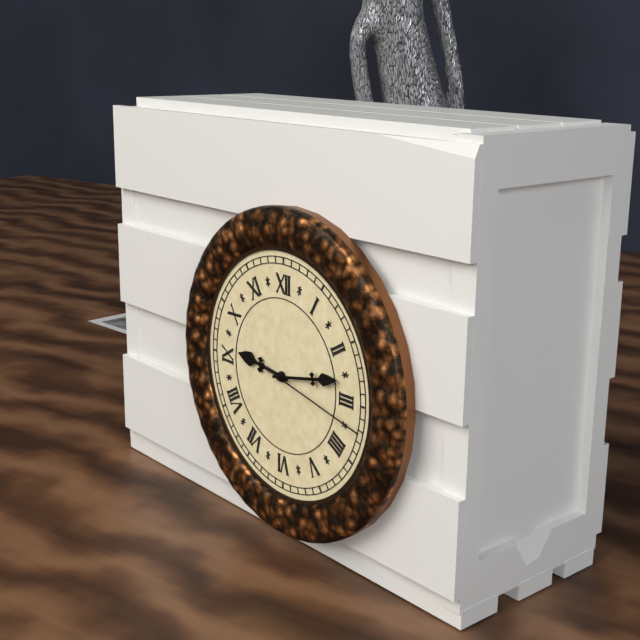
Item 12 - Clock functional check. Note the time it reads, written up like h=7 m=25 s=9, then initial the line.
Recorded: h=9 m=13 s=17
